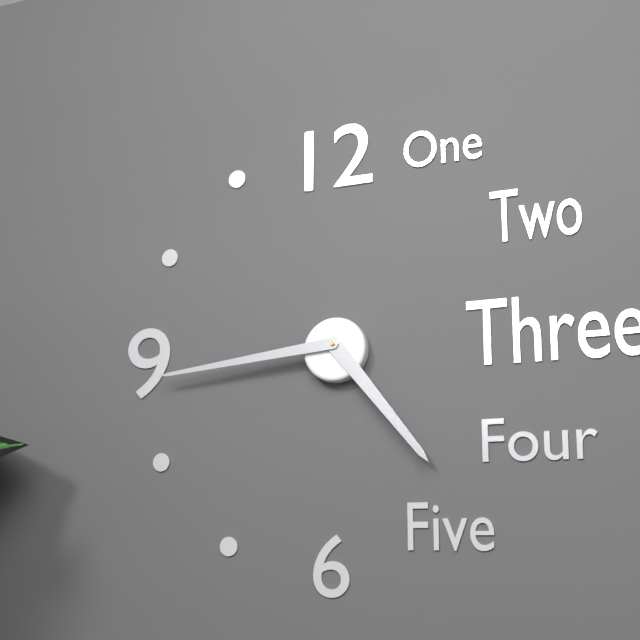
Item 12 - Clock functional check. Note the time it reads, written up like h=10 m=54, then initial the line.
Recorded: h=4 m=44
